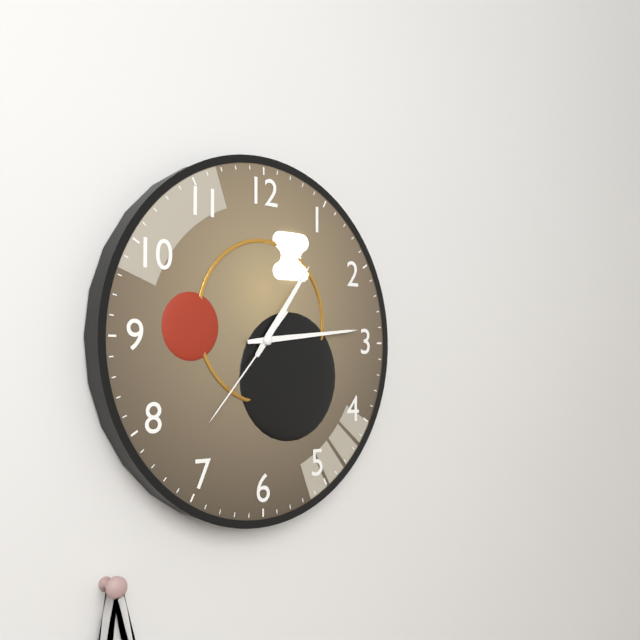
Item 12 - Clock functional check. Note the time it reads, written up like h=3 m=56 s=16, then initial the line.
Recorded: h=1 m=14 s=37
